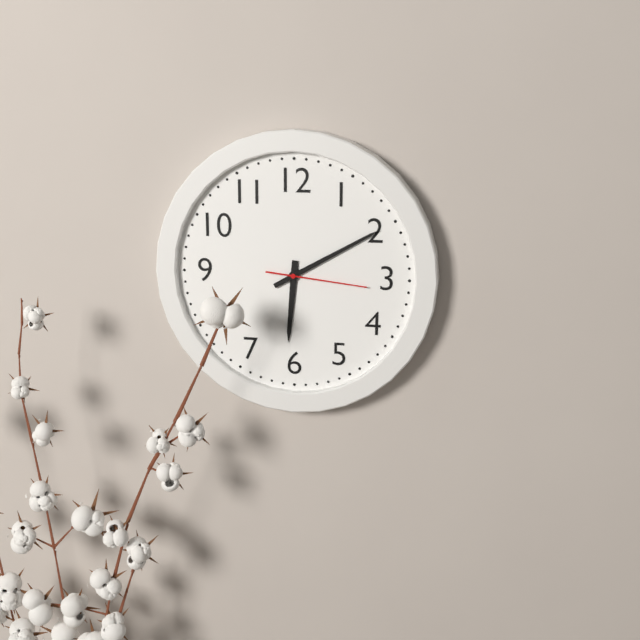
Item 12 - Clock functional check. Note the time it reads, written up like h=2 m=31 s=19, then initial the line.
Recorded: h=6 m=10 s=16
